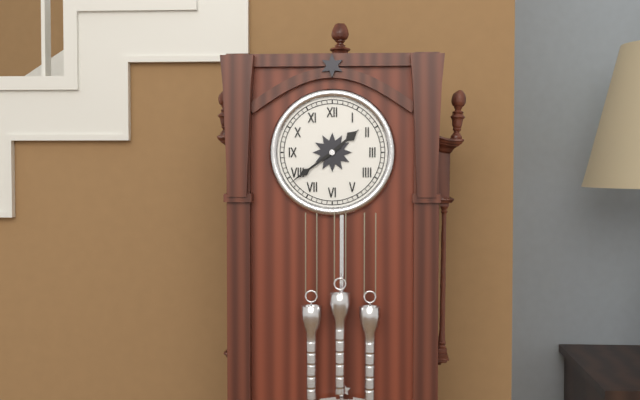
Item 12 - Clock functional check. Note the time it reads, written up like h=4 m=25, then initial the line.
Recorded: h=1 m=39
